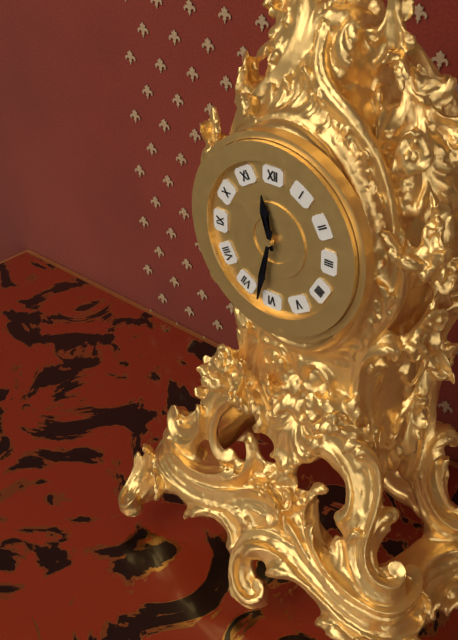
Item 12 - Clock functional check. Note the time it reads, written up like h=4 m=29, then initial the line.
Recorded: h=11 m=32
